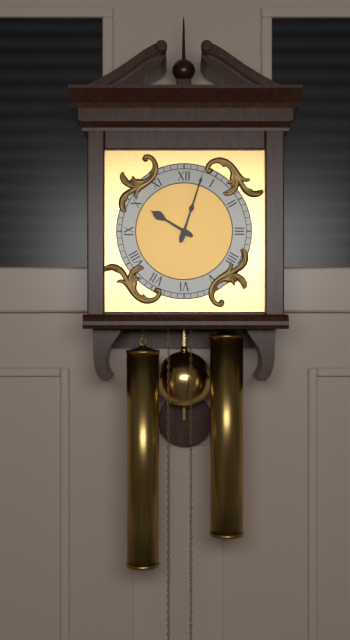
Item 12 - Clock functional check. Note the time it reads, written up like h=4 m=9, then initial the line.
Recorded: h=10 m=3
